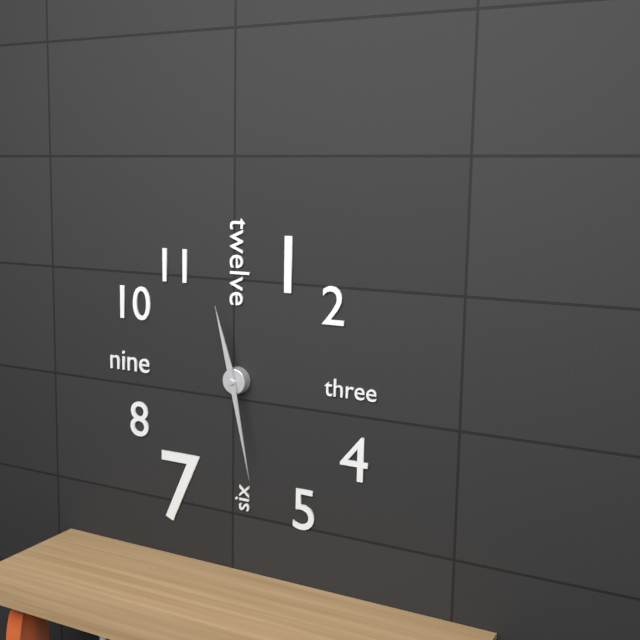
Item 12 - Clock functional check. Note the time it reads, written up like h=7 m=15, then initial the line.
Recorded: h=11 m=28
